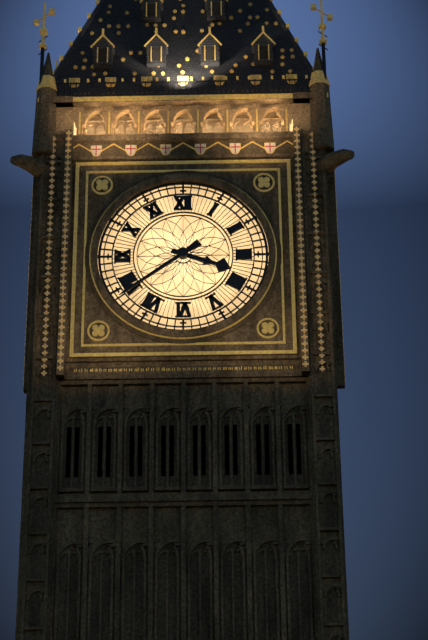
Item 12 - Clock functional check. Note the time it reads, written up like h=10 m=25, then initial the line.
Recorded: h=3 m=39
